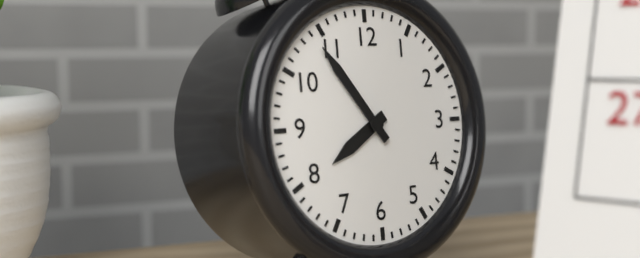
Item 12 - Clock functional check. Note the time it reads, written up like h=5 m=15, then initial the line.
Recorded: h=7 m=54
